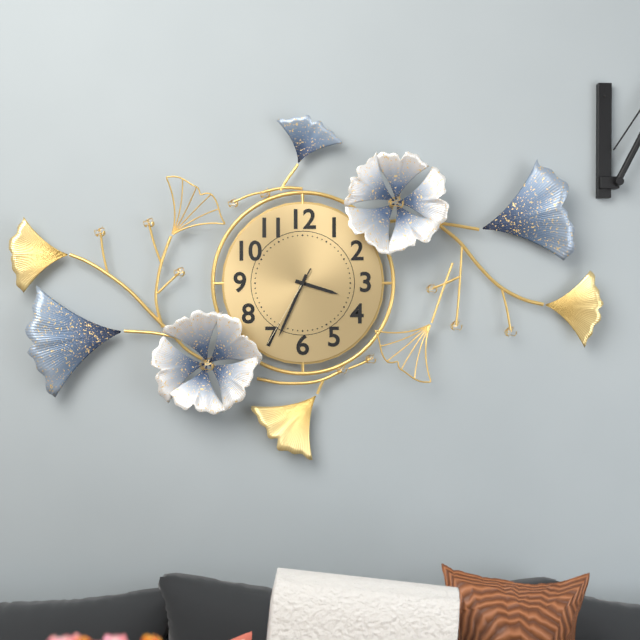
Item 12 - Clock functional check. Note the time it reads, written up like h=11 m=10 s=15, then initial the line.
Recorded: h=3 m=34 s=35
